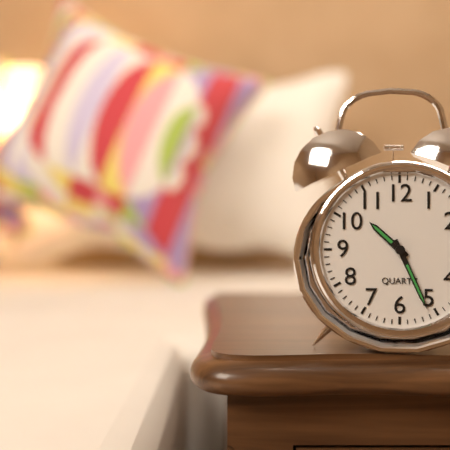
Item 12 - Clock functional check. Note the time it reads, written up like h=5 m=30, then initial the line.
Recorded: h=10 m=26
